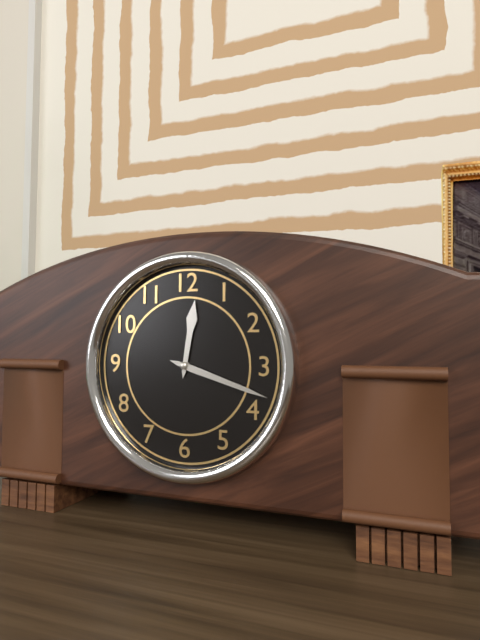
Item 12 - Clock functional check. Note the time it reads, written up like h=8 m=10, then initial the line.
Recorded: h=12 m=18
